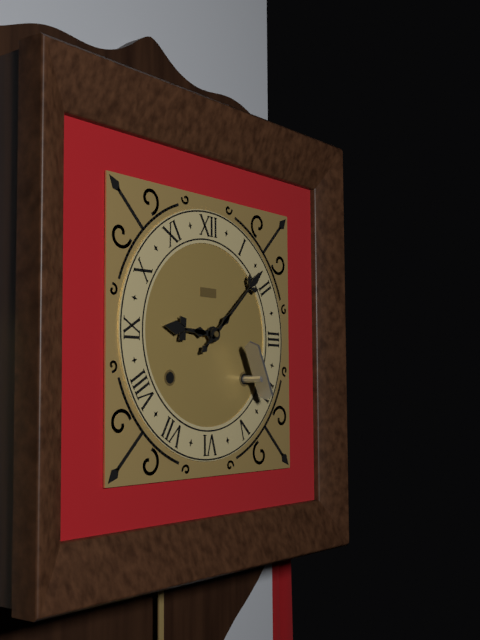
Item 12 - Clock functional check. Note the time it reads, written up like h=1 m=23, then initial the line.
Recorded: h=9 m=8
